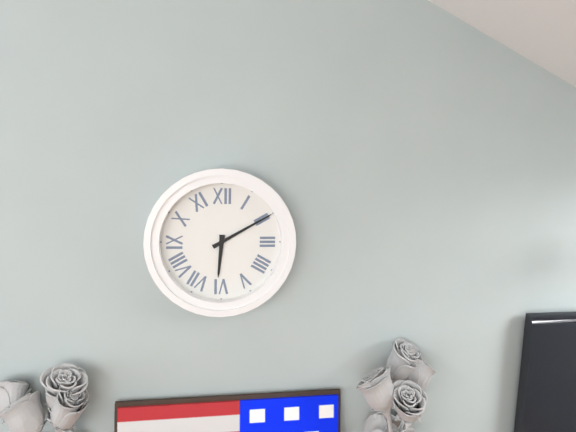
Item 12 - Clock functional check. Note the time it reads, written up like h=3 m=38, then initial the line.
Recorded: h=6 m=10
